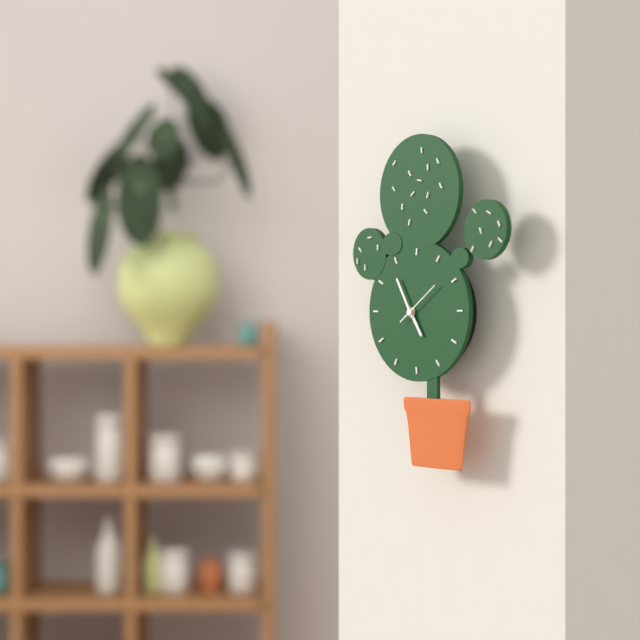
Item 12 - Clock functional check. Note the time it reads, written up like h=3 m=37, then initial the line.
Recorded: h=4 m=55
